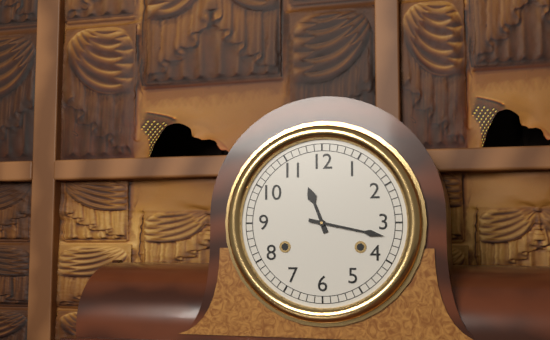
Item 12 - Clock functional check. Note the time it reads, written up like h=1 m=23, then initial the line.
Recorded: h=11 m=17
